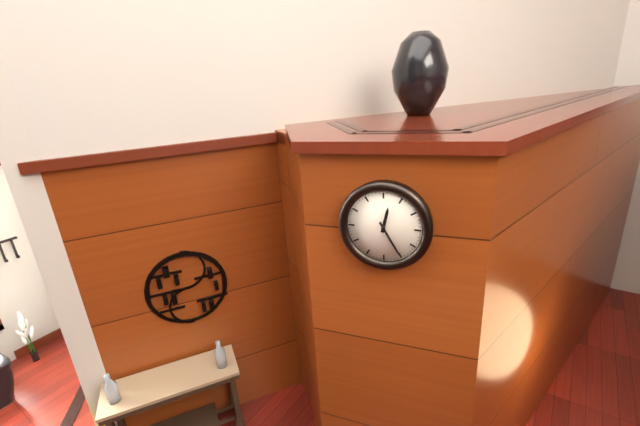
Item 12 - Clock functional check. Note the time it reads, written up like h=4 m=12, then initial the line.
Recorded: h=12 m=25
